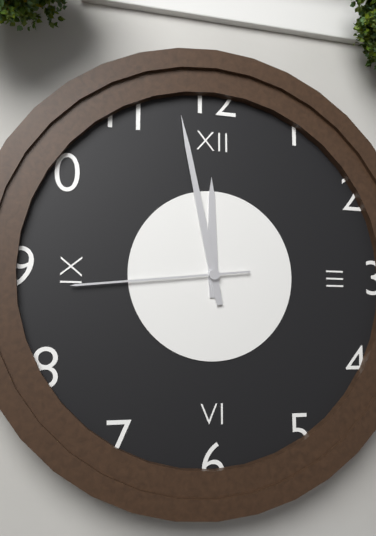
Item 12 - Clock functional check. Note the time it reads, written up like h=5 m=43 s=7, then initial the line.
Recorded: h=11 m=58 s=44
